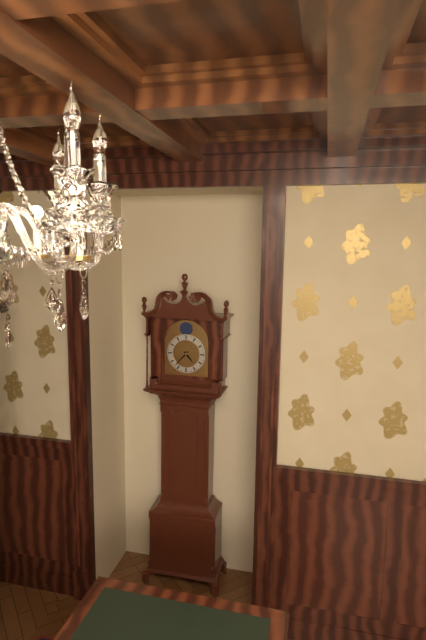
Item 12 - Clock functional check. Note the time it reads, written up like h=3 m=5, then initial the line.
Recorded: h=4 m=37
